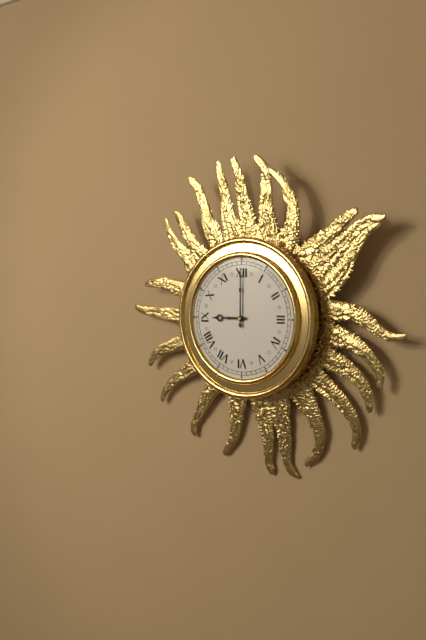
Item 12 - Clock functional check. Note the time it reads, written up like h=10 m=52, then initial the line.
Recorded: h=9 m=0
